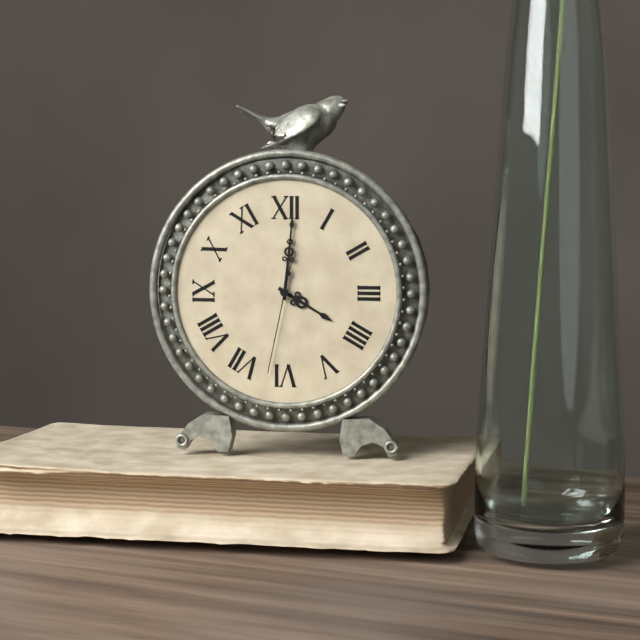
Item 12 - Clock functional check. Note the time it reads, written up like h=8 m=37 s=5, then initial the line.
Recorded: h=4 m=1 s=32
